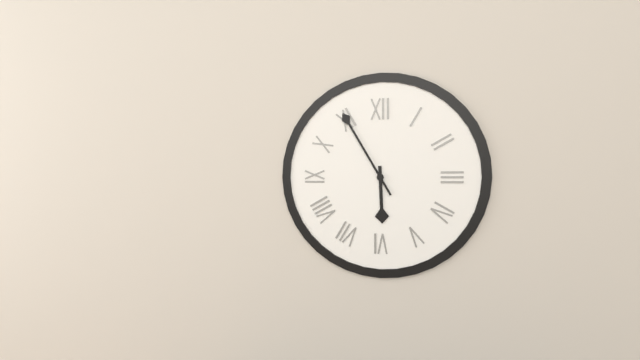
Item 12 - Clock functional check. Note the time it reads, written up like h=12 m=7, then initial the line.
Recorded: h=5 m=55
